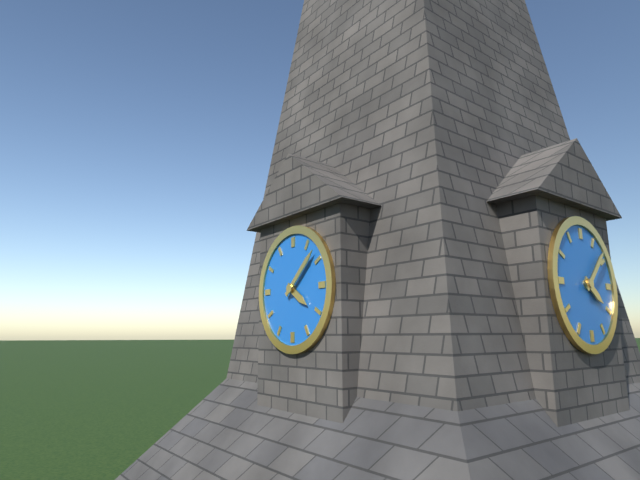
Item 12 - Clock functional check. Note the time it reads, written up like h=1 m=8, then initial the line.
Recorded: h=4 m=8
